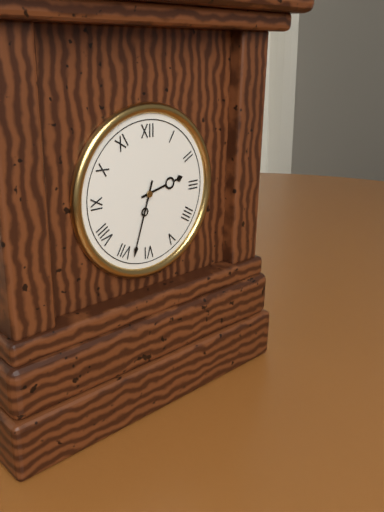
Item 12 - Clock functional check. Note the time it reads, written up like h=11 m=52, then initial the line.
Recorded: h=2 m=33
